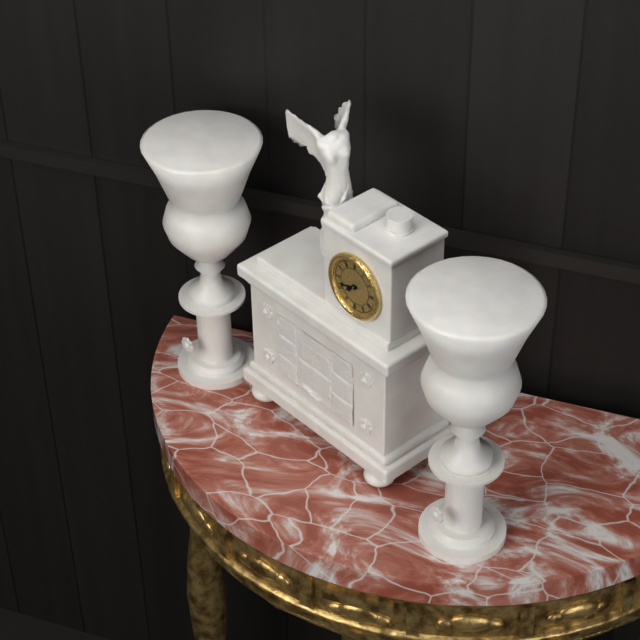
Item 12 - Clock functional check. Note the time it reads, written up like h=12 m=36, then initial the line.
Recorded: h=7 m=42
